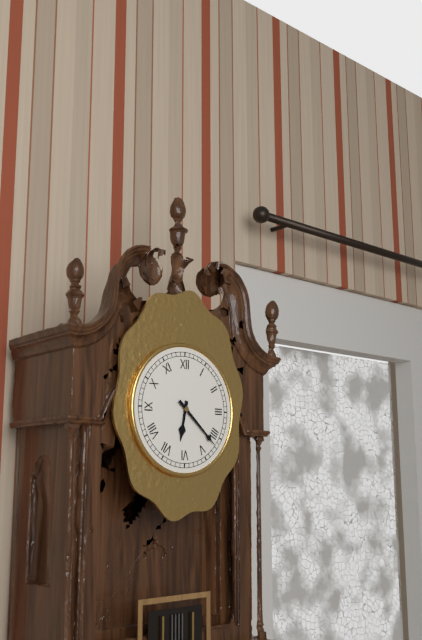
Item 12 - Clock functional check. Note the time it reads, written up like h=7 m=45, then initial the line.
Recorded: h=6 m=22
